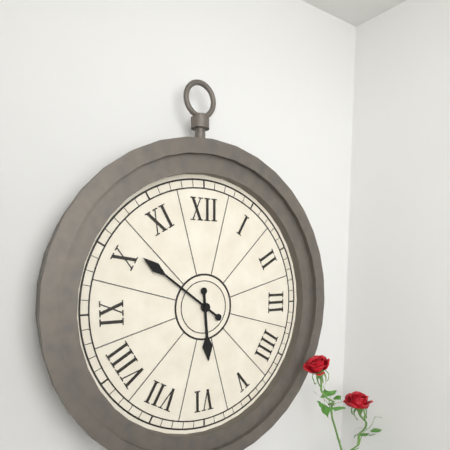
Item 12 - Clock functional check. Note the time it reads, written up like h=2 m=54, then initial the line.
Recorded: h=5 m=51
